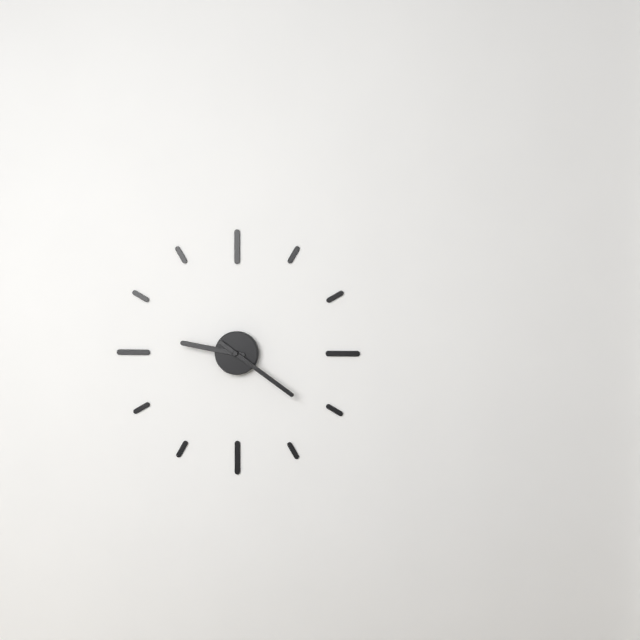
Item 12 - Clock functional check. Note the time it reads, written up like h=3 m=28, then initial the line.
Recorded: h=9 m=21
